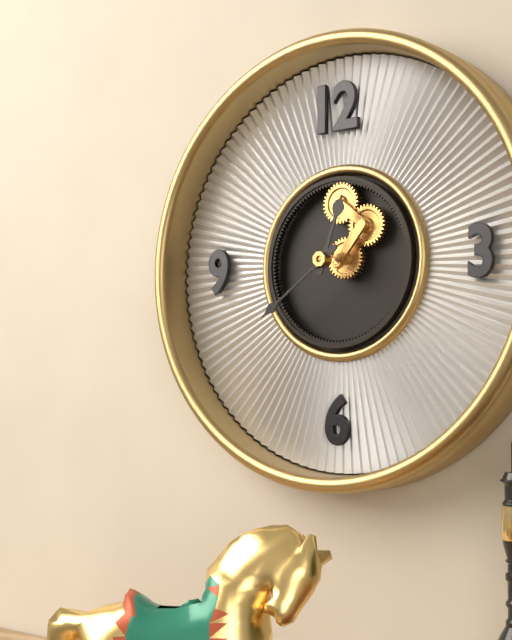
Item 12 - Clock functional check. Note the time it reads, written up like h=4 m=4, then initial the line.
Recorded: h=12 m=39
